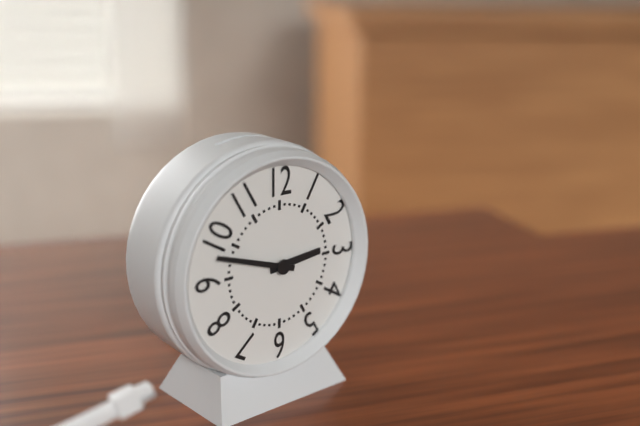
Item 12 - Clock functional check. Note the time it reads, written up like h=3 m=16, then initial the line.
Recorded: h=2 m=48
